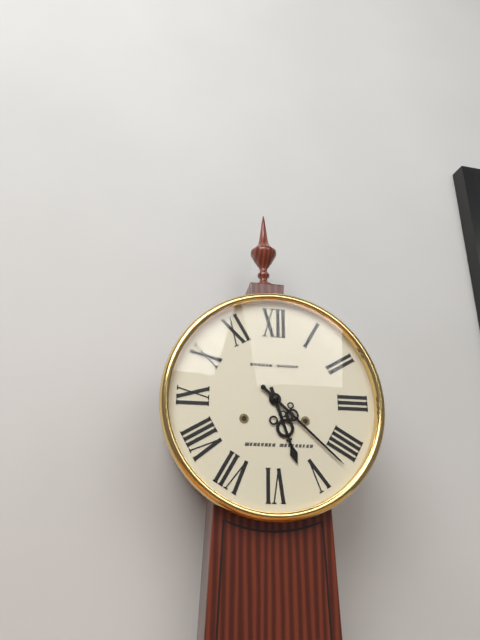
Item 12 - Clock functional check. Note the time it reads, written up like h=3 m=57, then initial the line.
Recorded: h=5 m=22
